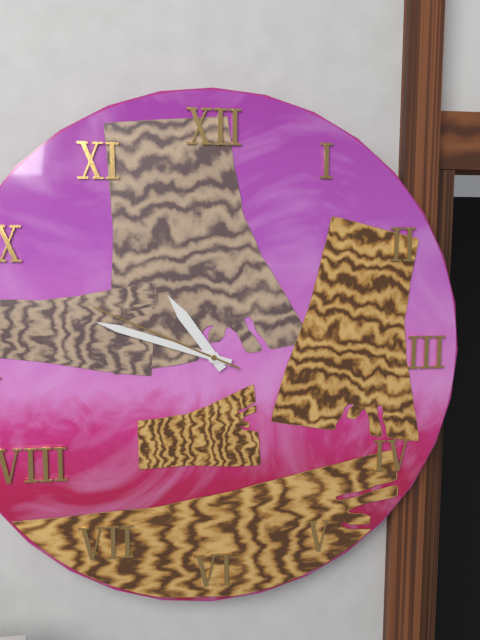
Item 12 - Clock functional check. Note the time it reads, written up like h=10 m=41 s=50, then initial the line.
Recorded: h=10 m=48 s=49
